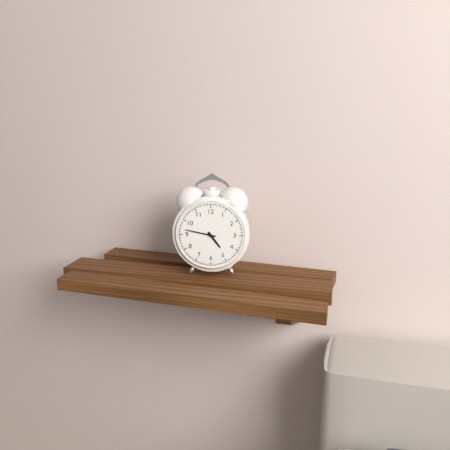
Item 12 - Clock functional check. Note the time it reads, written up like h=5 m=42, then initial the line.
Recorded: h=4 m=47
